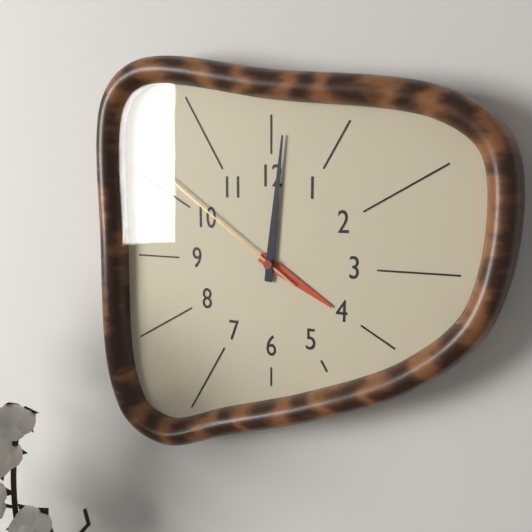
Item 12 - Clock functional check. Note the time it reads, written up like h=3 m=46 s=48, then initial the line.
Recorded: h=4 m=1 s=51
